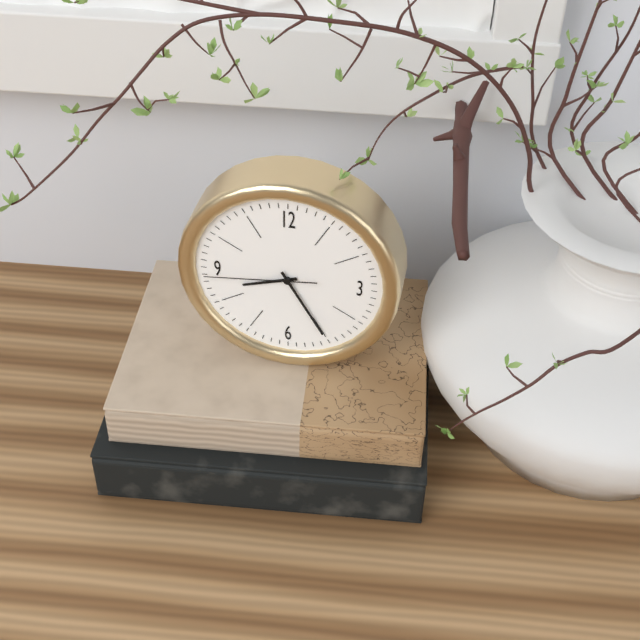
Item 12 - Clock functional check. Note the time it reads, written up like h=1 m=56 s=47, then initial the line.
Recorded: h=8 m=25 s=44
